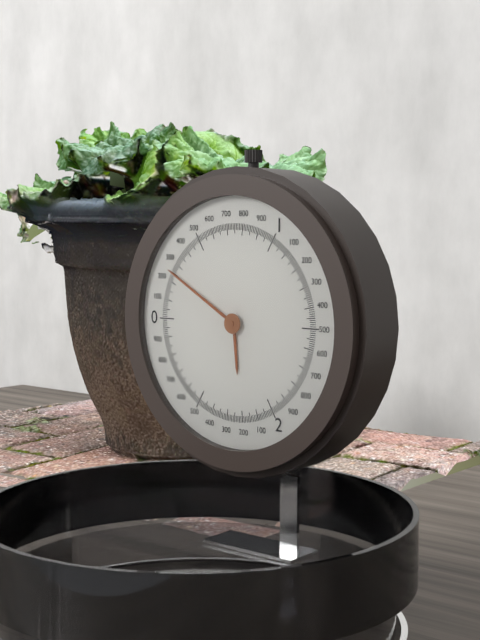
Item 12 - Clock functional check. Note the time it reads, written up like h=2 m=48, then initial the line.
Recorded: h=5 m=50
